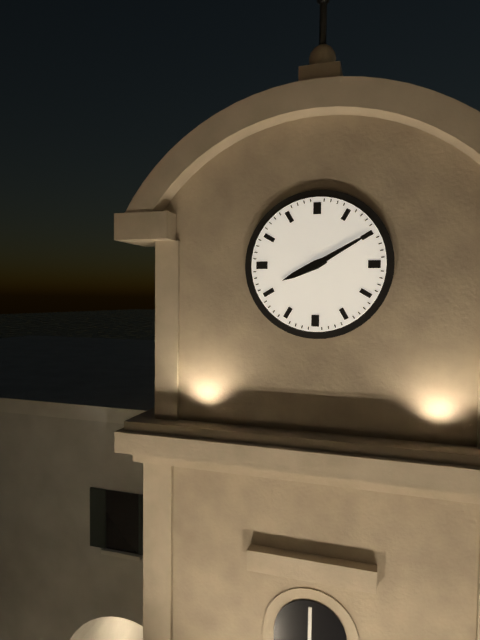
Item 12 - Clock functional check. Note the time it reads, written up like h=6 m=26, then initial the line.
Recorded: h=8 m=10
